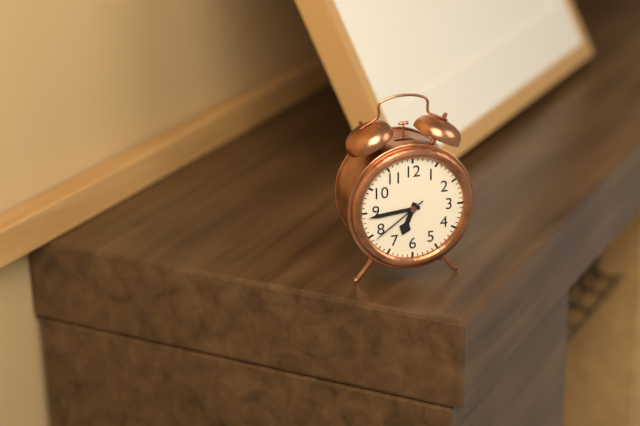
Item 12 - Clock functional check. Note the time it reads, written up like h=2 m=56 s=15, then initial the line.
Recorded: h=6 m=44 s=39
